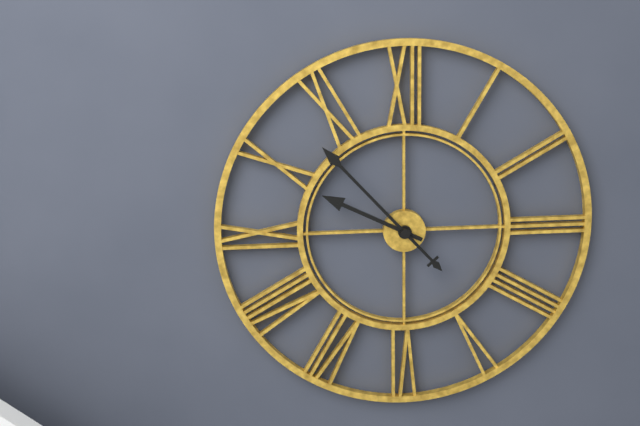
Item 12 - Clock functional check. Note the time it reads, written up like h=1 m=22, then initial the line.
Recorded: h=9 m=53
